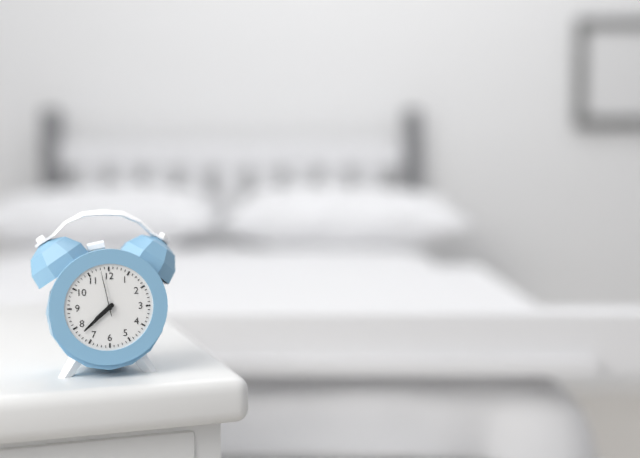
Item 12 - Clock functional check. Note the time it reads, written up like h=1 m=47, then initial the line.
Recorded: h=7 m=38
